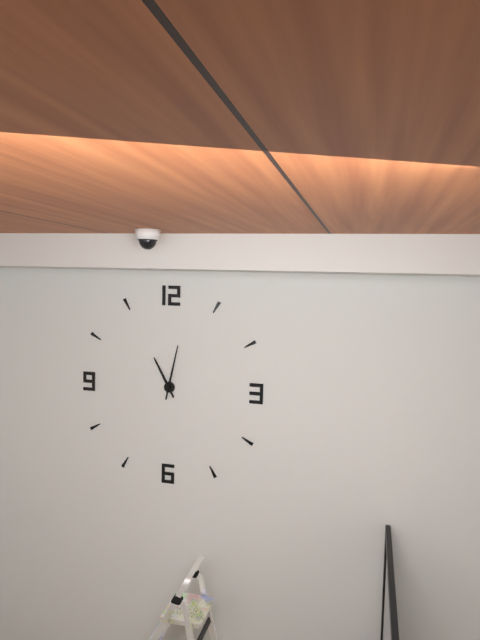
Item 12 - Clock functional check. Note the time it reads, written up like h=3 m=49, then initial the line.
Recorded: h=11 m=2
